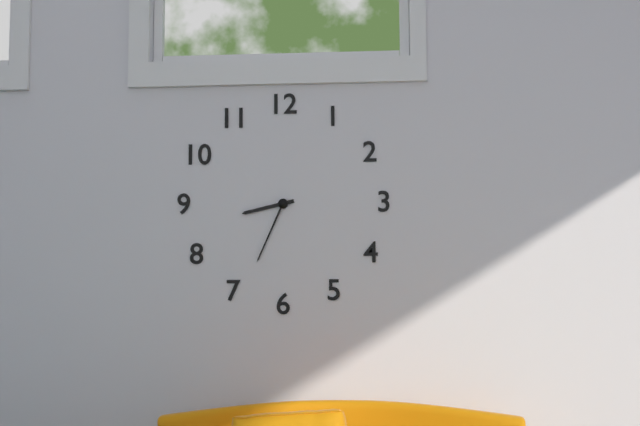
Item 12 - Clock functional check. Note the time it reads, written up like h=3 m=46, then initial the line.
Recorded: h=8 m=34
